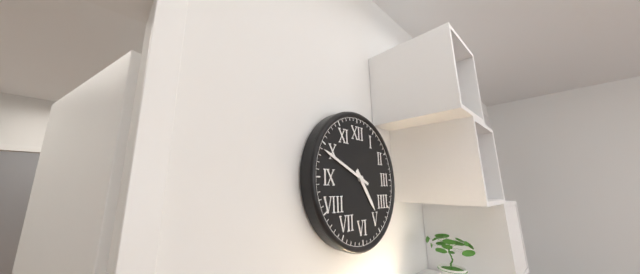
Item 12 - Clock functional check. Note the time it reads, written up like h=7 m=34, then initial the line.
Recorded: h=4 m=49
